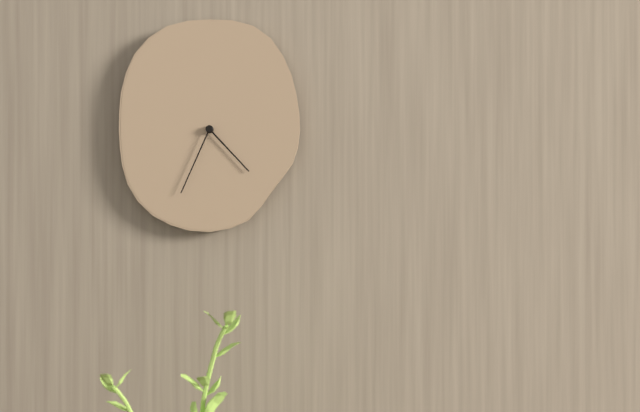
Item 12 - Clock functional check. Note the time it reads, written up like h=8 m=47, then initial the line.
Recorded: h=4 m=34
